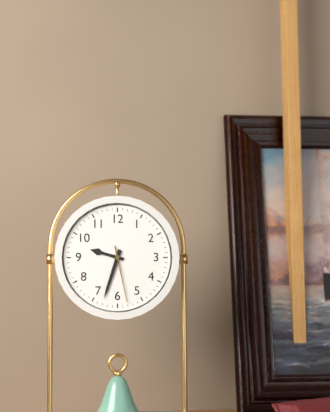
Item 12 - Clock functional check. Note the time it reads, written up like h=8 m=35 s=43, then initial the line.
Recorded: h=9 m=33 s=28
